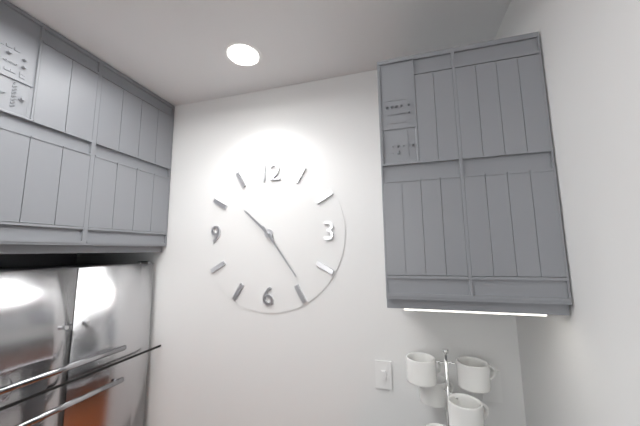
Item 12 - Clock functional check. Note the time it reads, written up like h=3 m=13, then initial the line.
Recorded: h=10 m=24
